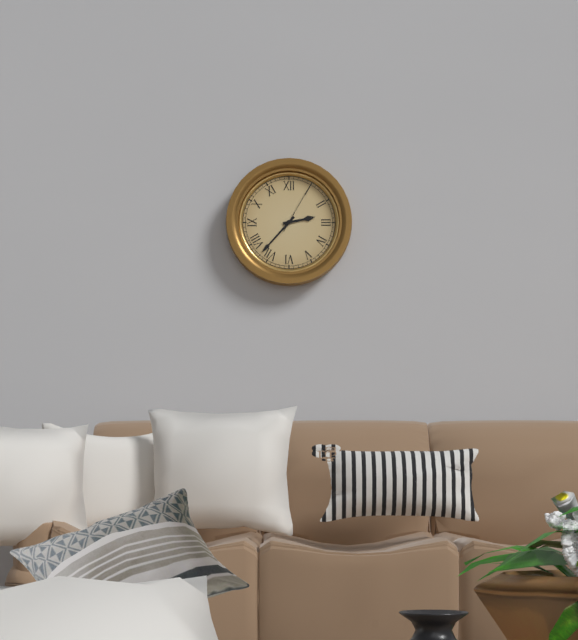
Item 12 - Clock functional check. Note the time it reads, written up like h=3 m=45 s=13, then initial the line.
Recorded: h=2 m=37 s=5
